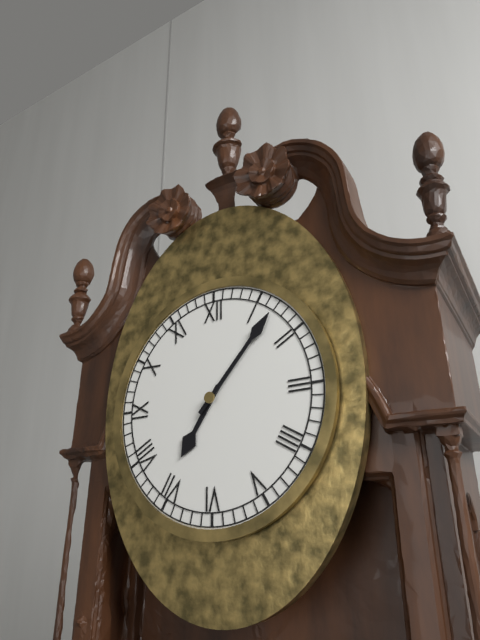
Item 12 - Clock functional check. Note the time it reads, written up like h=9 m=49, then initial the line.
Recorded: h=7 m=7
